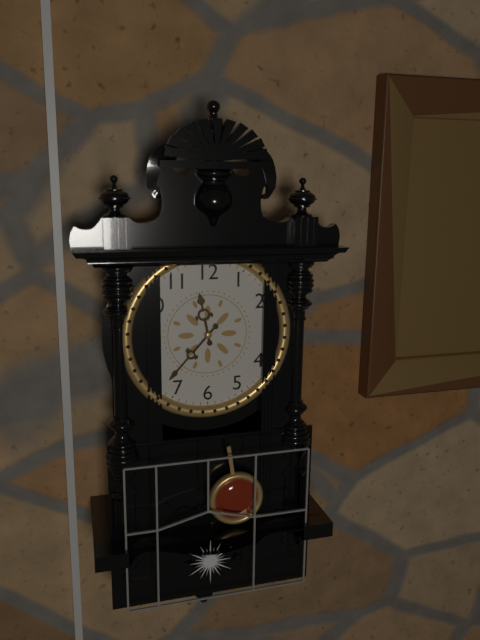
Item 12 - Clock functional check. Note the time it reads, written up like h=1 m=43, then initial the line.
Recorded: h=11 m=37
